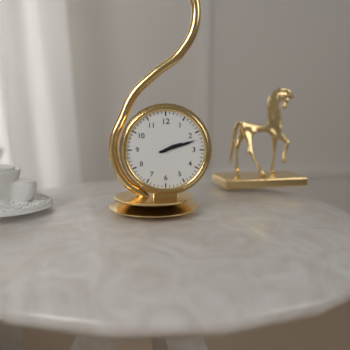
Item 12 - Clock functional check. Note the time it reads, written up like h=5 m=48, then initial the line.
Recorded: h=2 m=12
